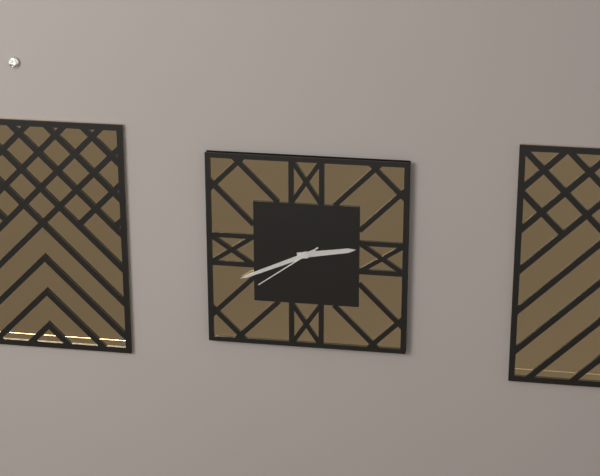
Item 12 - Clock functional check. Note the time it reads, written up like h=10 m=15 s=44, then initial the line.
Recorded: h=2 m=41 s=39
